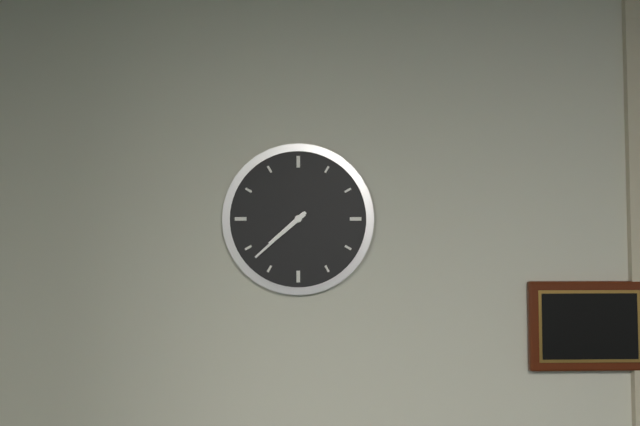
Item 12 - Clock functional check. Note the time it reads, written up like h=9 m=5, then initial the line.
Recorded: h=7 m=38
